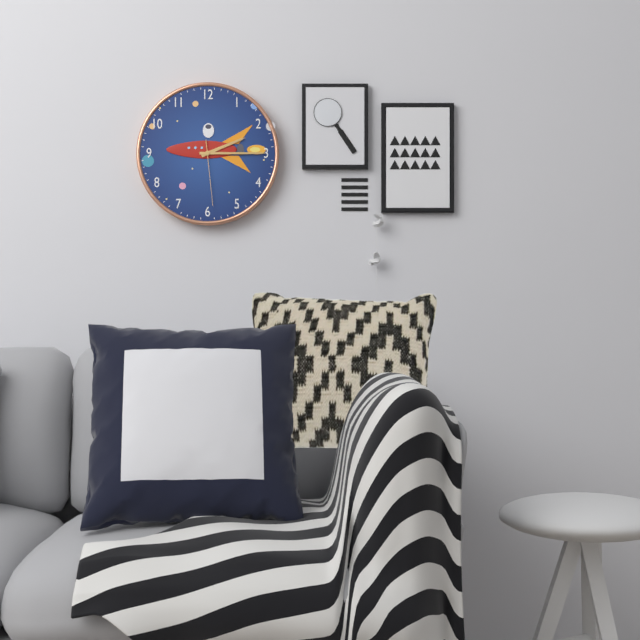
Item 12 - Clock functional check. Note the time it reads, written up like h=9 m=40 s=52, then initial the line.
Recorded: h=2 m=15 s=29
